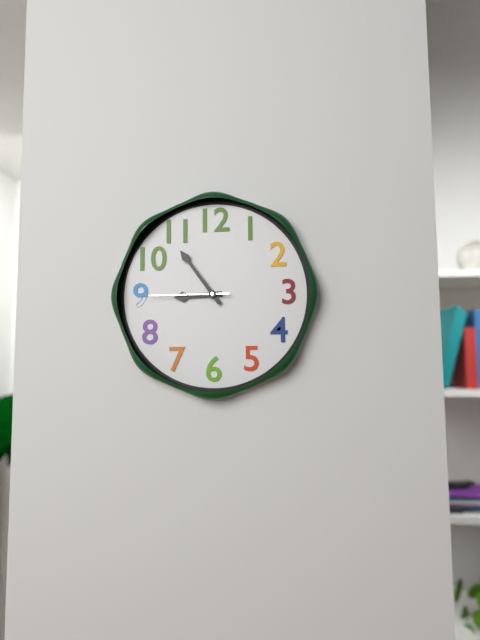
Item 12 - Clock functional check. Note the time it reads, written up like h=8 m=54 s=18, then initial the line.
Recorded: h=8 m=54 s=45
